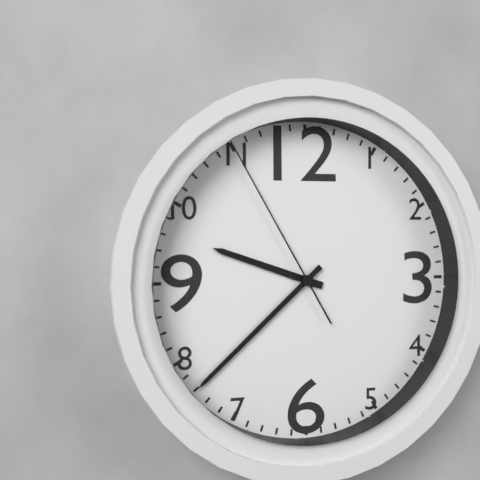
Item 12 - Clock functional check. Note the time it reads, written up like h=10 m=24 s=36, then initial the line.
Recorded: h=9 m=38 s=55
